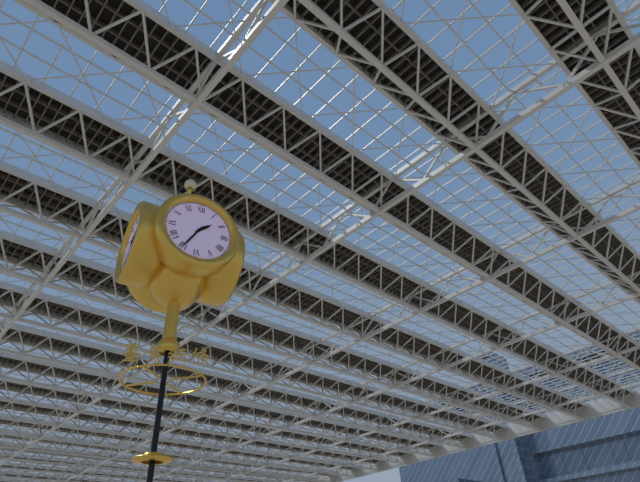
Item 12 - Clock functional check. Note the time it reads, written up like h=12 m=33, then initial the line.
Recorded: h=1 m=35
